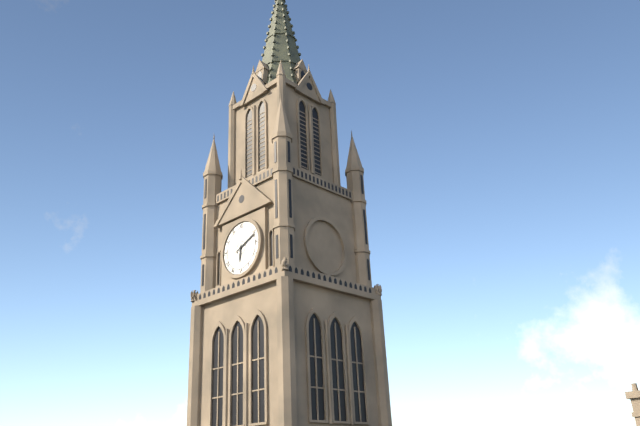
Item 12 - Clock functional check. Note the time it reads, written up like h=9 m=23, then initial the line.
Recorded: h=6 m=11
